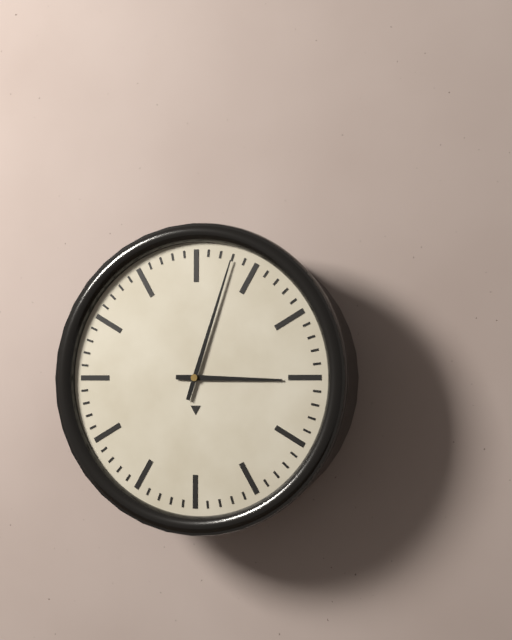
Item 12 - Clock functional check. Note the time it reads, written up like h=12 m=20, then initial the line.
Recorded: h=3 m=3
